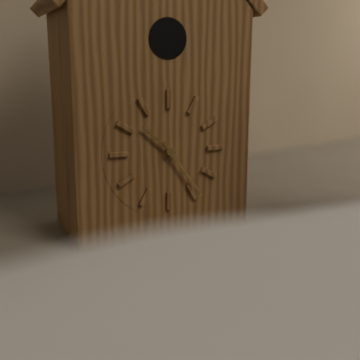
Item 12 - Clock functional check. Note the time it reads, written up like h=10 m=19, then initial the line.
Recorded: h=10 m=24
